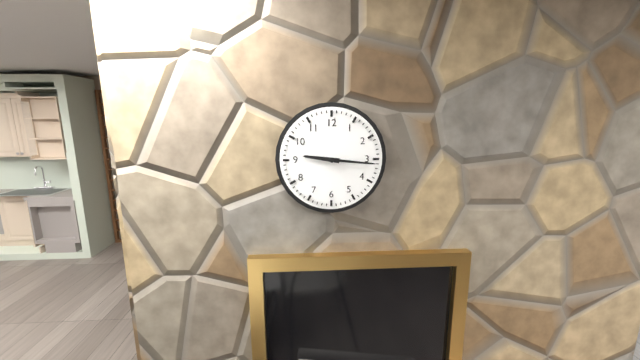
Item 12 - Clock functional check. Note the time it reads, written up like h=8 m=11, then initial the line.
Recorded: h=9 m=16
